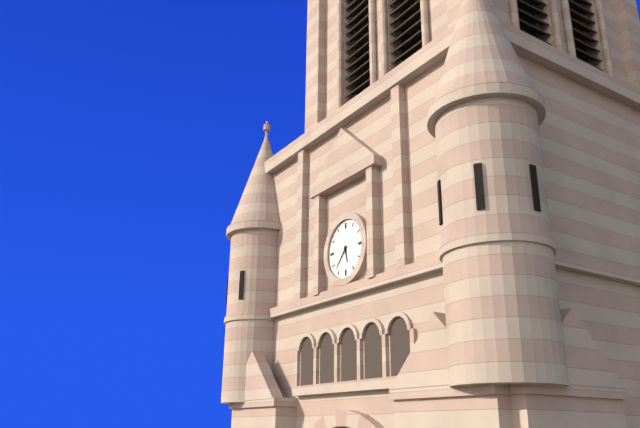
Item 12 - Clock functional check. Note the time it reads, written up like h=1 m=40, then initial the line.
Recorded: h=5 m=37
